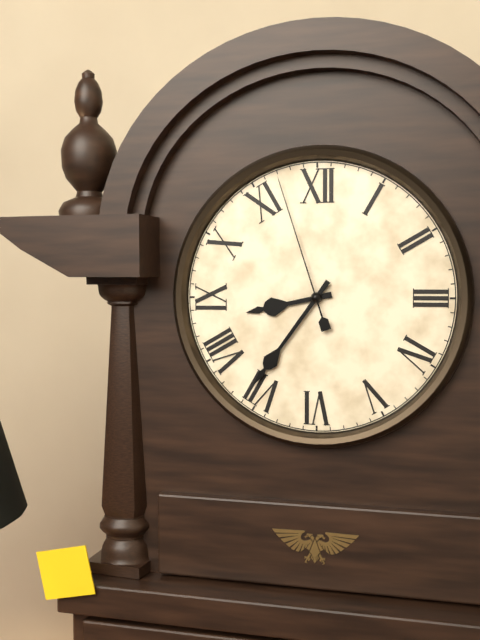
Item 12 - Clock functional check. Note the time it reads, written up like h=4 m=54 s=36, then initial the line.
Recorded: h=8 m=36 s=57
